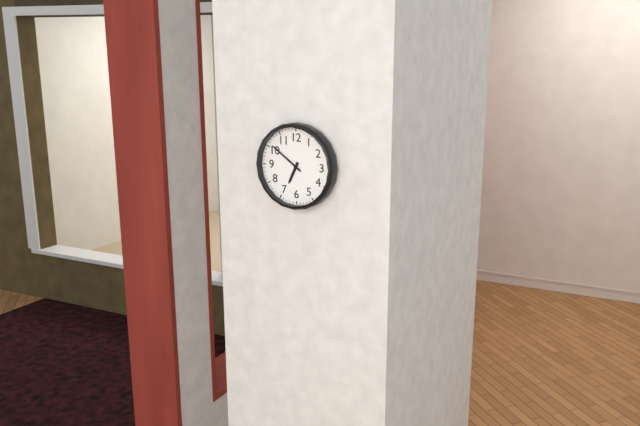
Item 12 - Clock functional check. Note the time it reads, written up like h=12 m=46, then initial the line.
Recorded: h=6 m=51
